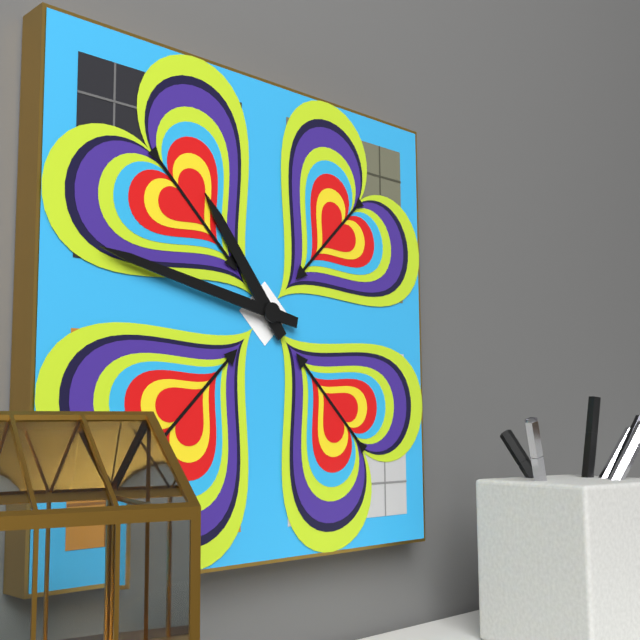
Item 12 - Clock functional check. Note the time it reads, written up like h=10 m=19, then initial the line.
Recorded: h=10 m=47
